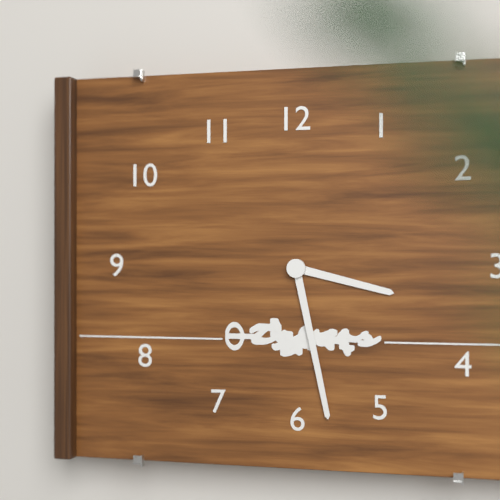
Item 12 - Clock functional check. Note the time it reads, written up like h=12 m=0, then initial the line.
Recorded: h=3 m=28
